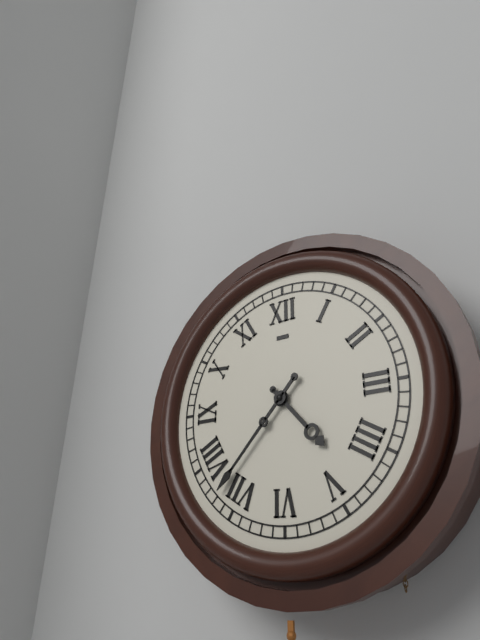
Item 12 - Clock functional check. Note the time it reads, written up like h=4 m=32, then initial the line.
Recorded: h=4 m=37
